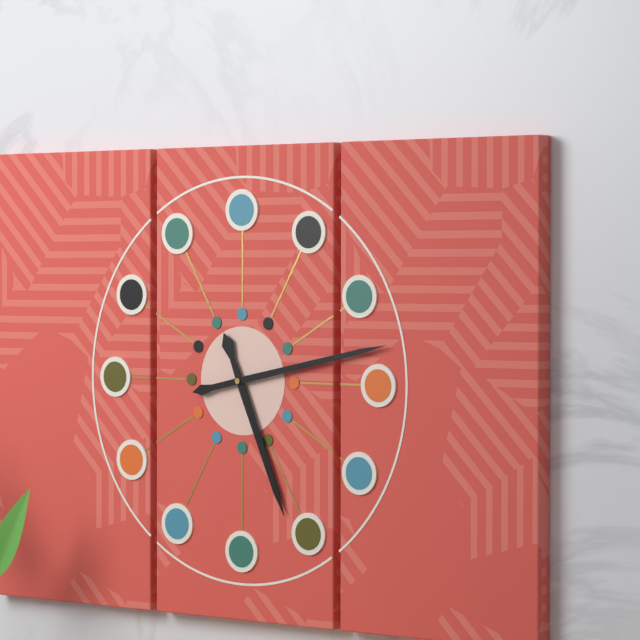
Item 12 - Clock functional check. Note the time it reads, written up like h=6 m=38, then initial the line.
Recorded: h=5 m=13
